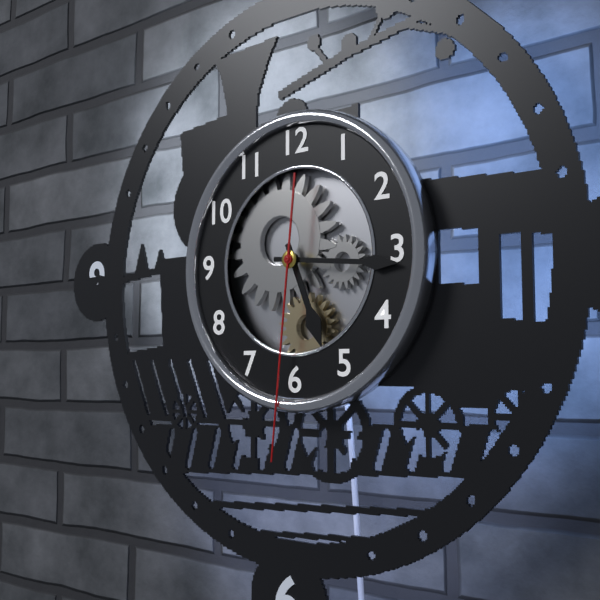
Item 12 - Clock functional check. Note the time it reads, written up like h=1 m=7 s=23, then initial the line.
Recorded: h=5 m=16 s=31
